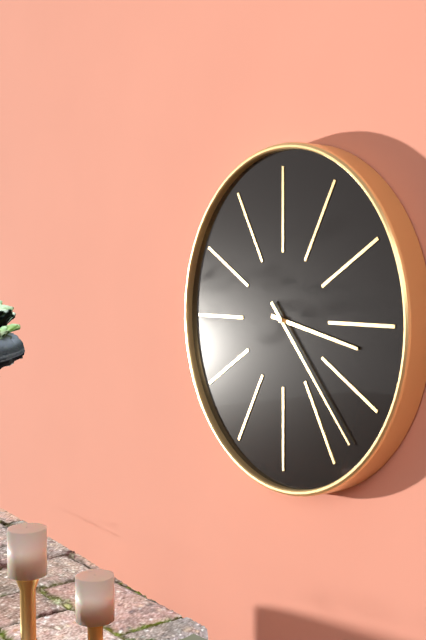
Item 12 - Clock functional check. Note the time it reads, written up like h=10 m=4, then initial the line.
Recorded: h=3 m=23
